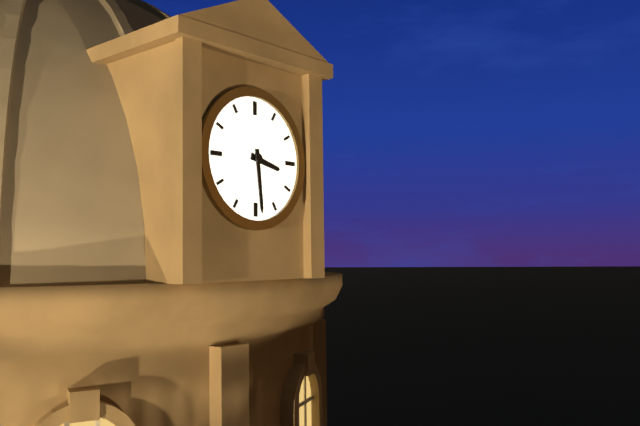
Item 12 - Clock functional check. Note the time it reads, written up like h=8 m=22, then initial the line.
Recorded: h=3 m=29
